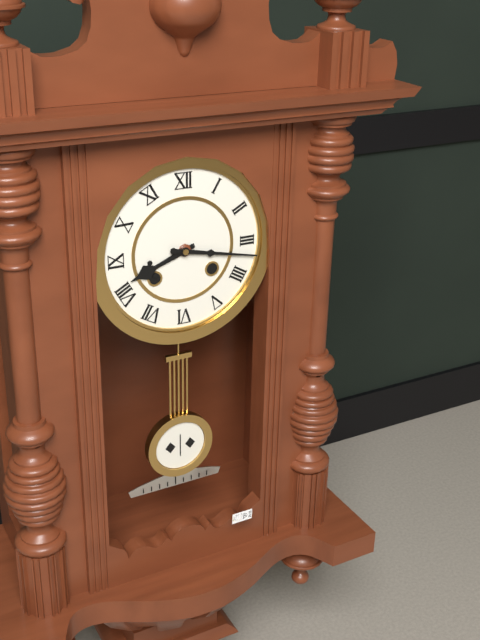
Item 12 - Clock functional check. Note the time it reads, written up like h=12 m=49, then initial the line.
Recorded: h=8 m=17
